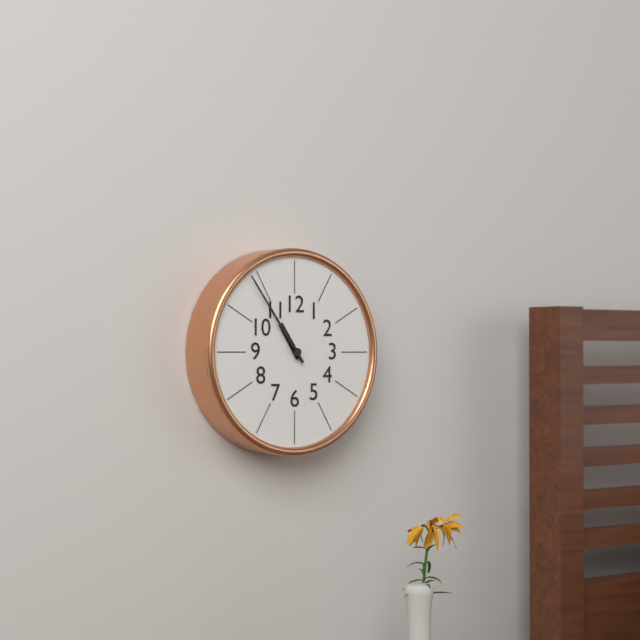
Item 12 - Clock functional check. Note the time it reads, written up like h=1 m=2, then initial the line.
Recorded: h=10 m=54
